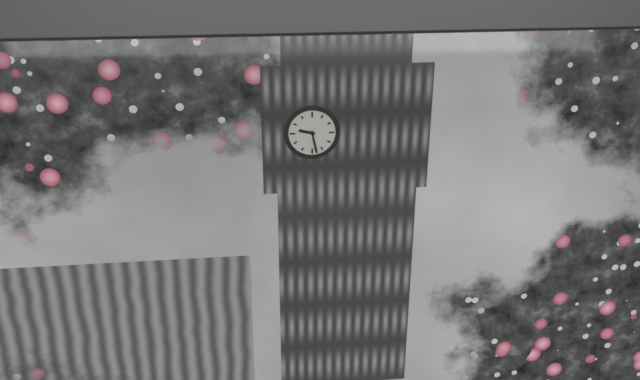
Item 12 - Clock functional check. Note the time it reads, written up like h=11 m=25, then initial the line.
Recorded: h=9 m=28
